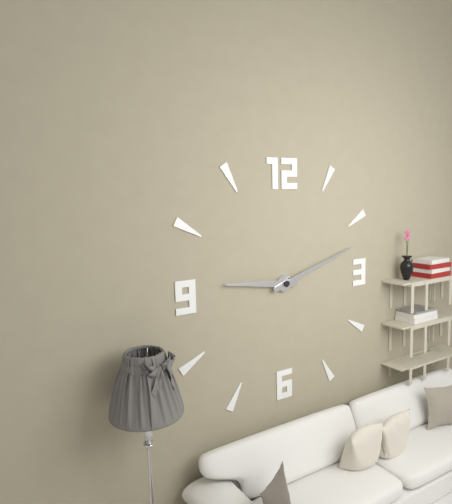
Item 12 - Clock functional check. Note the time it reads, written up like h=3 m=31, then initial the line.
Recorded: h=9 m=12
